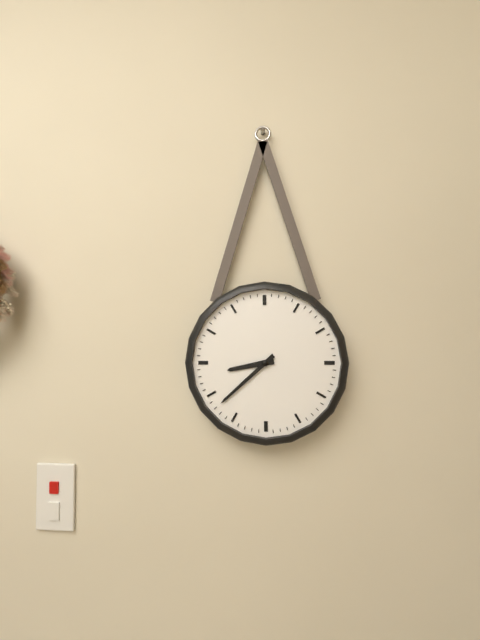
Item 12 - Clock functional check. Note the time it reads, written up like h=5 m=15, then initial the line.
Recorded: h=8 m=38
